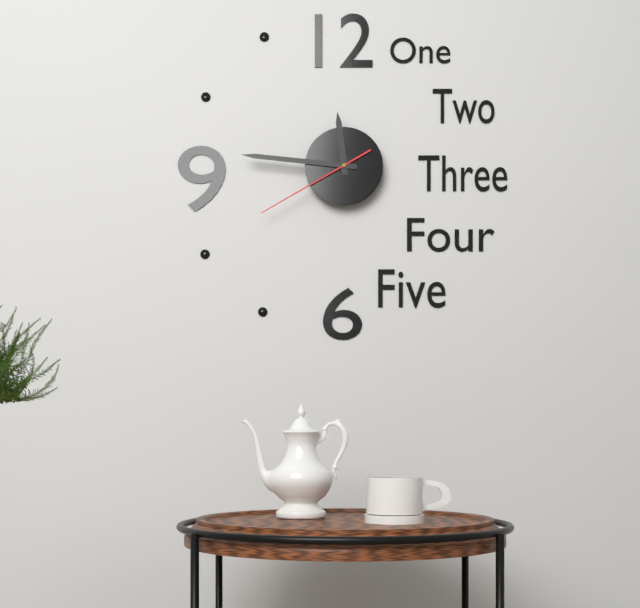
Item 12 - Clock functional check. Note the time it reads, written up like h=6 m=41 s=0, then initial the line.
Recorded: h=11 m=46 s=40
